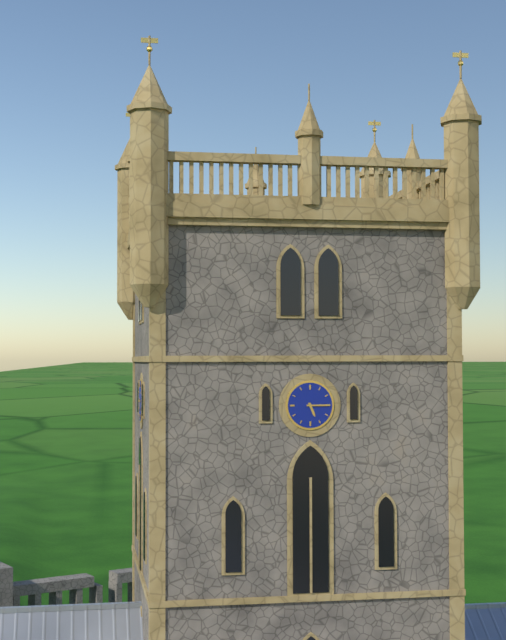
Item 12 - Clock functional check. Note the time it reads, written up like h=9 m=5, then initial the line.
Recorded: h=5 m=15
